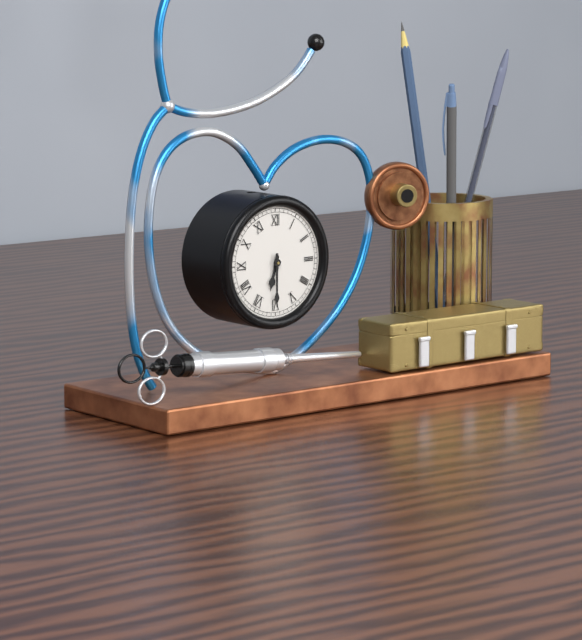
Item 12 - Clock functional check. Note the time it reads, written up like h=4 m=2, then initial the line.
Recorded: h=6 m=30
